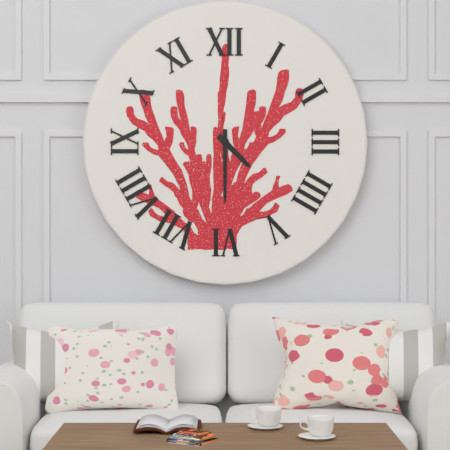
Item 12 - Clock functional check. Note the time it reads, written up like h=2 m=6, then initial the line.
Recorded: h=4 m=30
